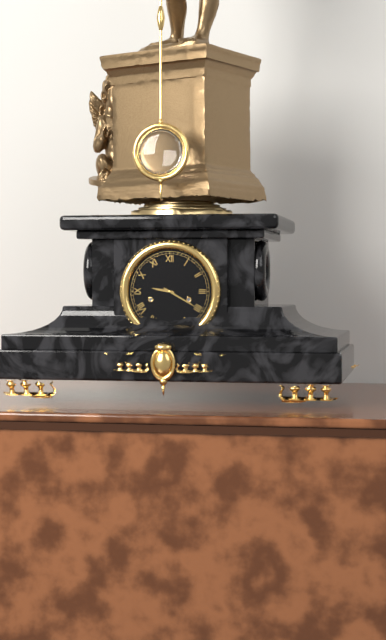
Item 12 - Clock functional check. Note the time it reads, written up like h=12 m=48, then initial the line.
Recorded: h=9 m=20
